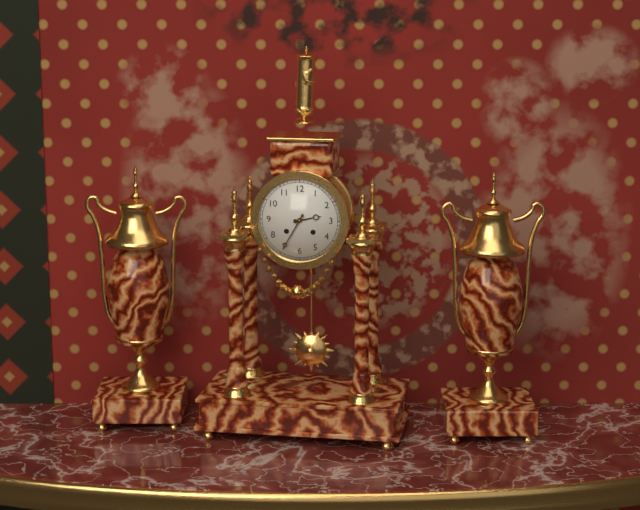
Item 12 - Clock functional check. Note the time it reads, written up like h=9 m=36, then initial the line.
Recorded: h=2 m=35
